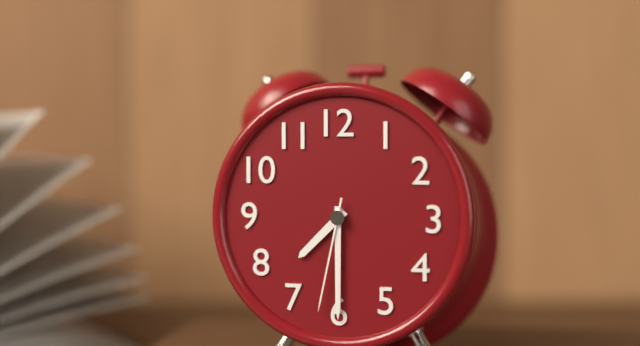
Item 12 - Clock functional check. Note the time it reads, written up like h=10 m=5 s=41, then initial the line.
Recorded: h=7 m=30 s=32
